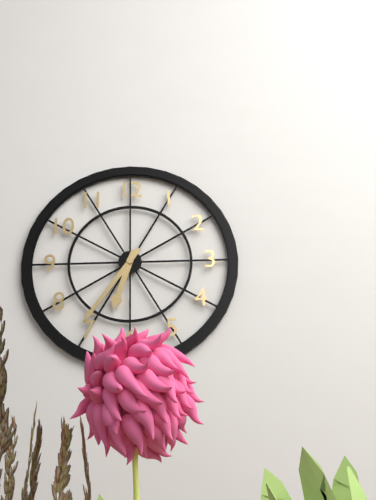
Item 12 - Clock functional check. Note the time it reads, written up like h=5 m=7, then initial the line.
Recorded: h=6 m=36
